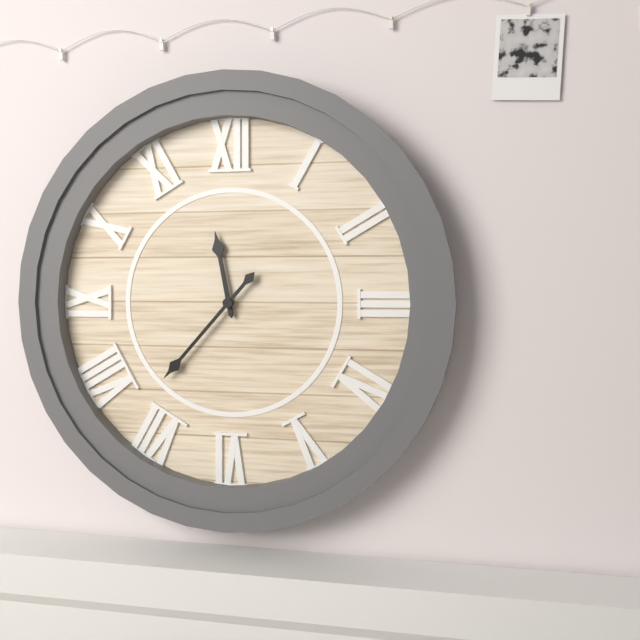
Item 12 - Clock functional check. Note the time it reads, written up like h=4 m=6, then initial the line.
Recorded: h=11 m=37
